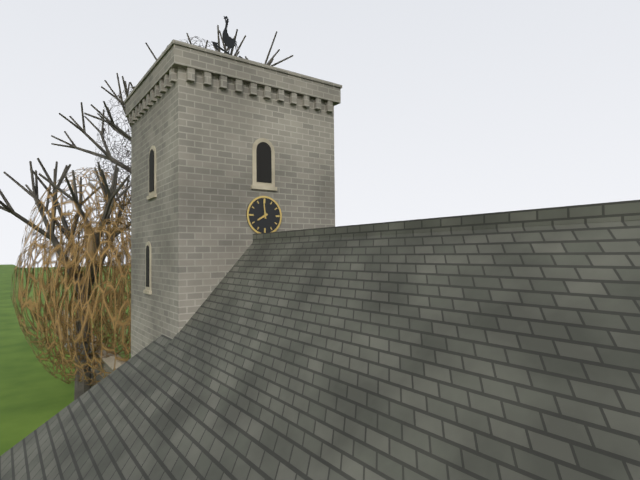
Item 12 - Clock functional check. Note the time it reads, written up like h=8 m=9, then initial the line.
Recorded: h=7 m=59
